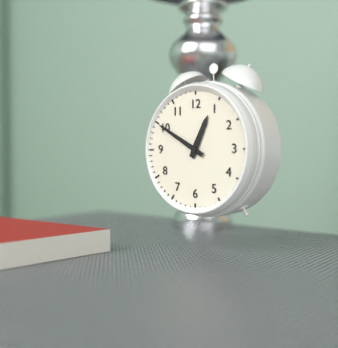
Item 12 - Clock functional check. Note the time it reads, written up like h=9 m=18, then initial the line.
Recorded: h=12 m=50
